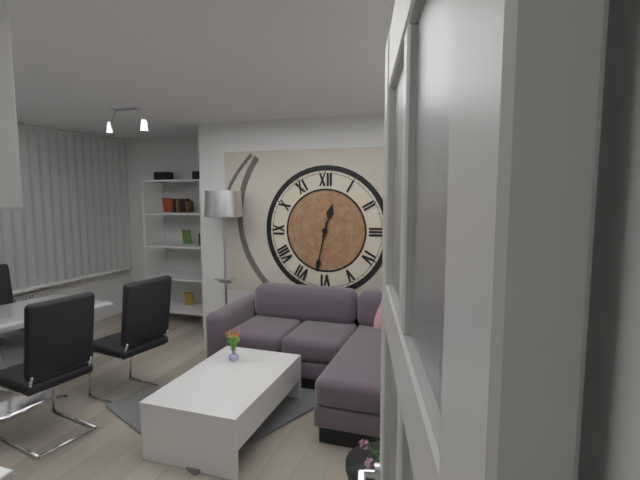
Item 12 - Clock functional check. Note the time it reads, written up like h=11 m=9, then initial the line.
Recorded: h=12 m=32
